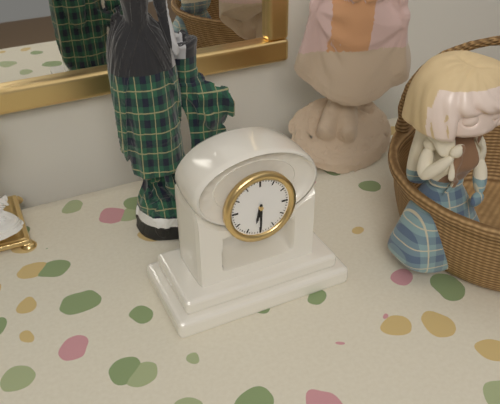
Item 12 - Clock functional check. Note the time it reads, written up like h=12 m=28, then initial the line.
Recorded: h=6 m=30
